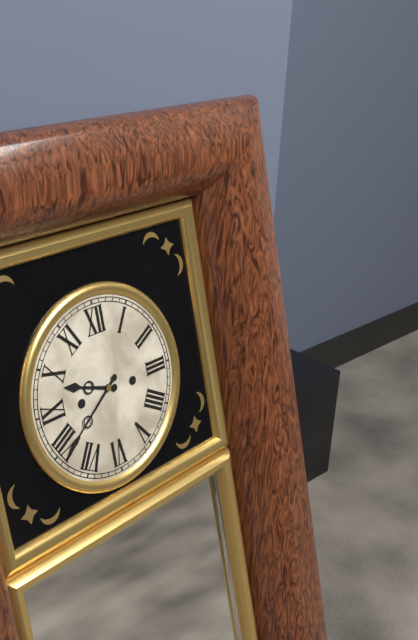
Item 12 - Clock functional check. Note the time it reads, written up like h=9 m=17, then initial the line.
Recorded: h=9 m=39
